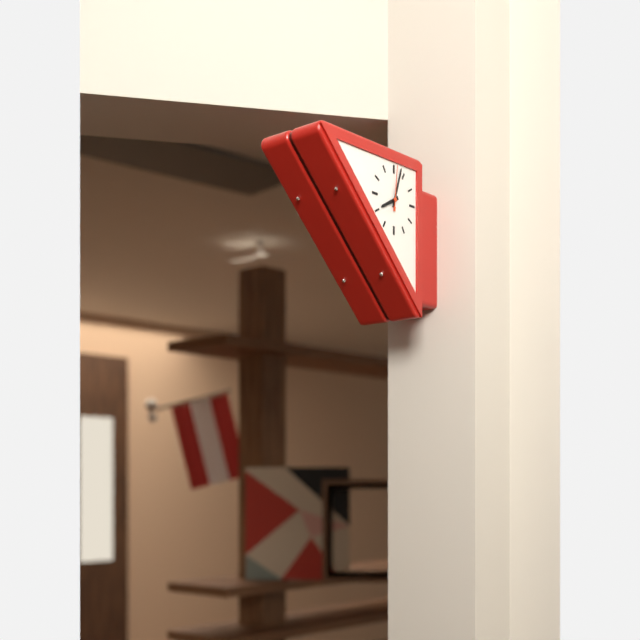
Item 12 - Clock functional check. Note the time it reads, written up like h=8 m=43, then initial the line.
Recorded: h=8 m=3
